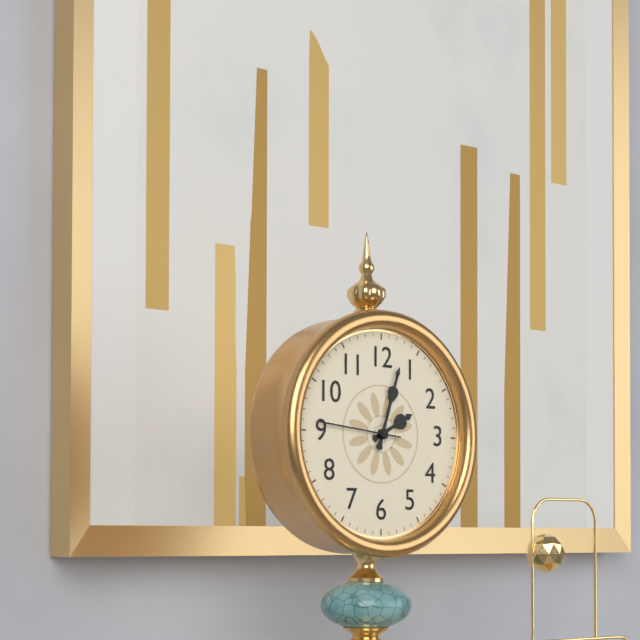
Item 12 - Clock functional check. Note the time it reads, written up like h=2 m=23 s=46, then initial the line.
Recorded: h=2 m=3 s=46
